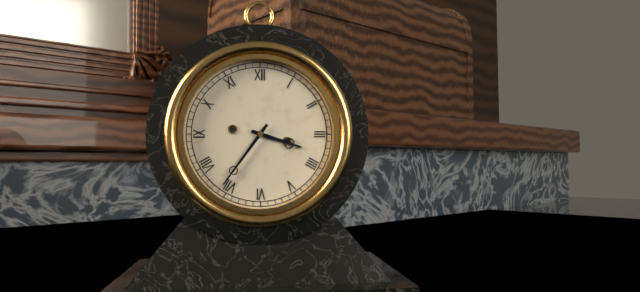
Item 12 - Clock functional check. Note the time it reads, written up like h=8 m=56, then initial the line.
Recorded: h=3 m=36
